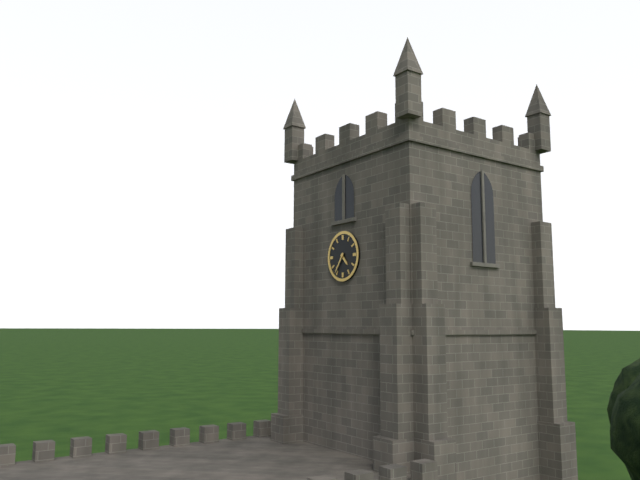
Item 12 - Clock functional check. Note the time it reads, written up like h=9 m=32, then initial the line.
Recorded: h=4 m=36
